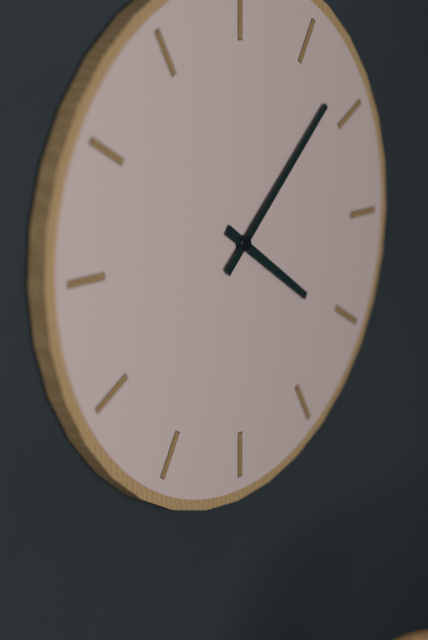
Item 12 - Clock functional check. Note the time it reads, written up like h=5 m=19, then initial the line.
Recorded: h=4 m=8
